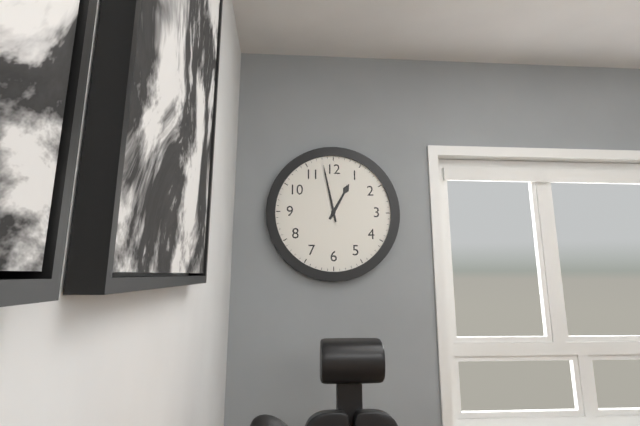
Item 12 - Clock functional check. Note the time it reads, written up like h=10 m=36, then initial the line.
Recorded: h=12 m=58
